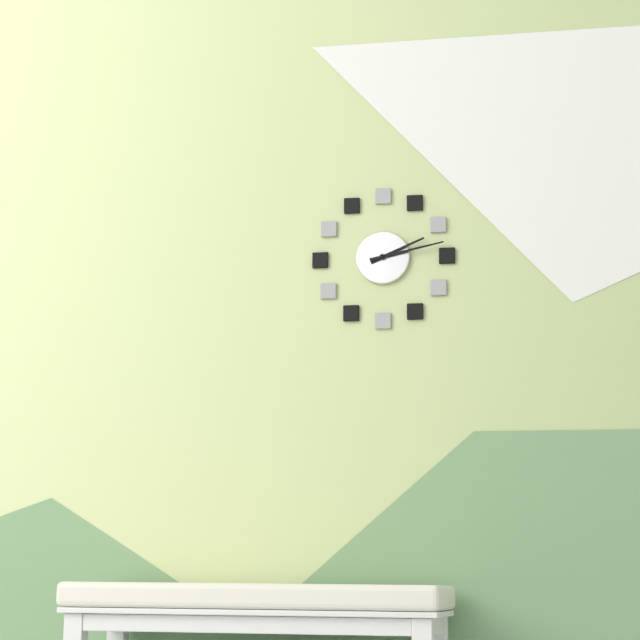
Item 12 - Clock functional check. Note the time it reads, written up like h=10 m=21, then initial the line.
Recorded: h=2 m=13
